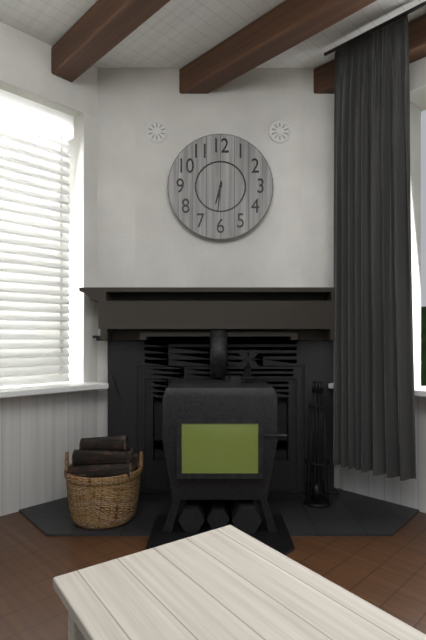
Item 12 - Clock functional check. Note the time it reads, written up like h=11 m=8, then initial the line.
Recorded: h=6 m=31
